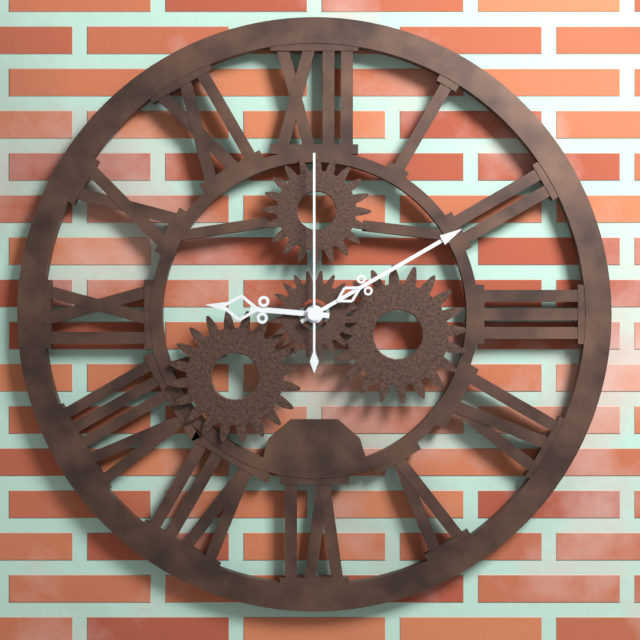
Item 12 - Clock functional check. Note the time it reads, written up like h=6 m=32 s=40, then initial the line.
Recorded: h=9 m=10 s=0
